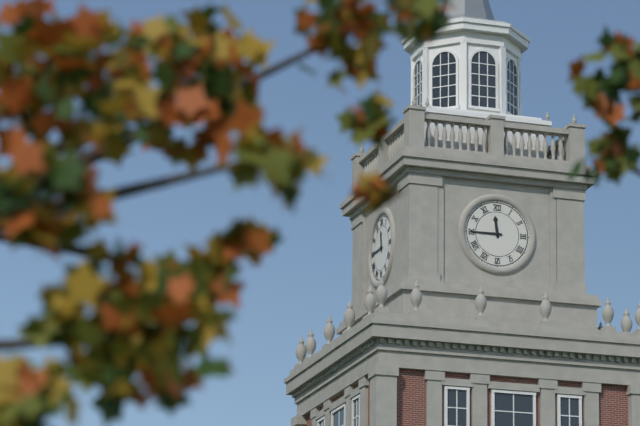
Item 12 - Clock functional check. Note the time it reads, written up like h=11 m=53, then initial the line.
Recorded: h=11 m=45
